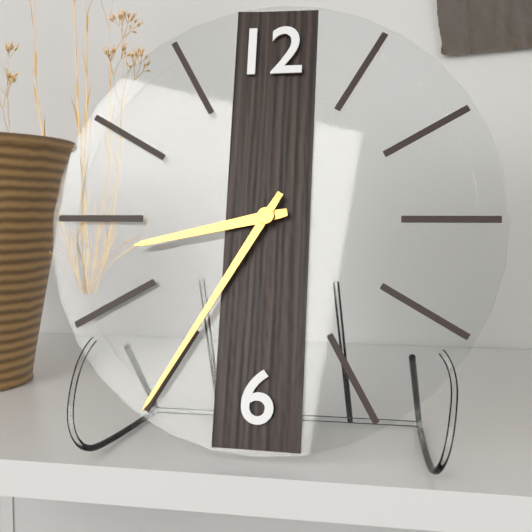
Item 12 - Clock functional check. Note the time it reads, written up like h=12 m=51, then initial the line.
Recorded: h=8 m=35
